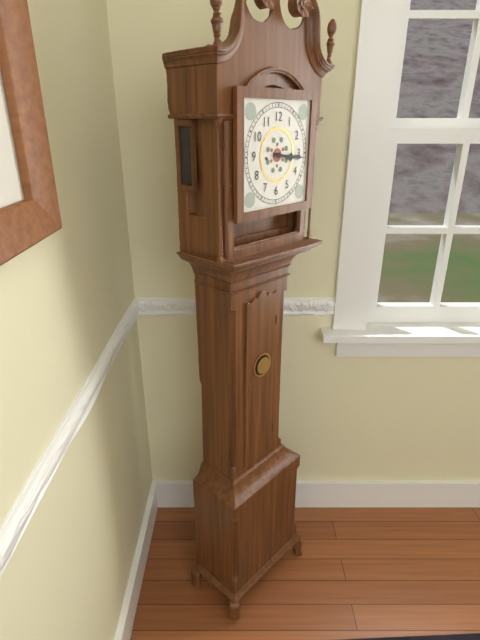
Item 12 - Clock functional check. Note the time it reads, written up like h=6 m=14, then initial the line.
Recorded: h=3 m=16
